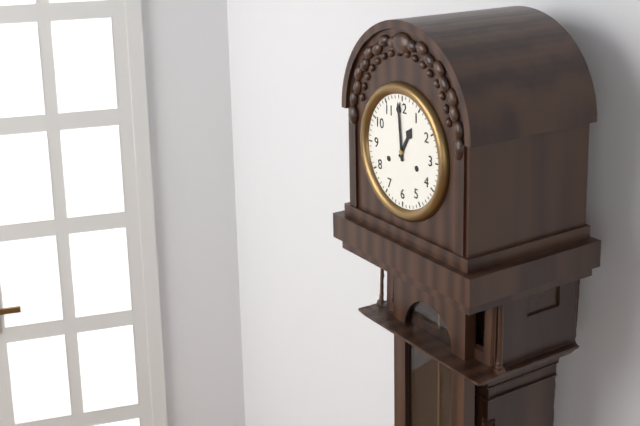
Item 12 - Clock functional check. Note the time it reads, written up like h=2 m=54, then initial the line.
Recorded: h=12 m=59
